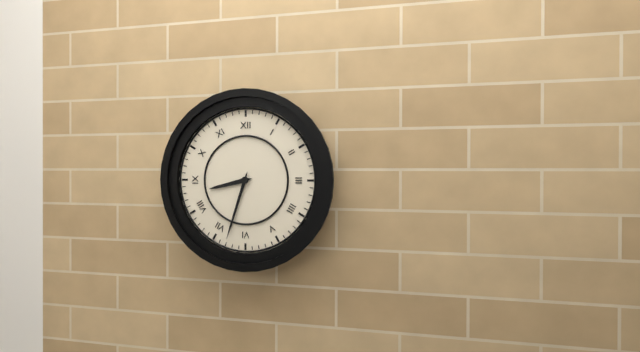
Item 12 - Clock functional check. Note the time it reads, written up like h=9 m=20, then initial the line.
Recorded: h=8 m=33
